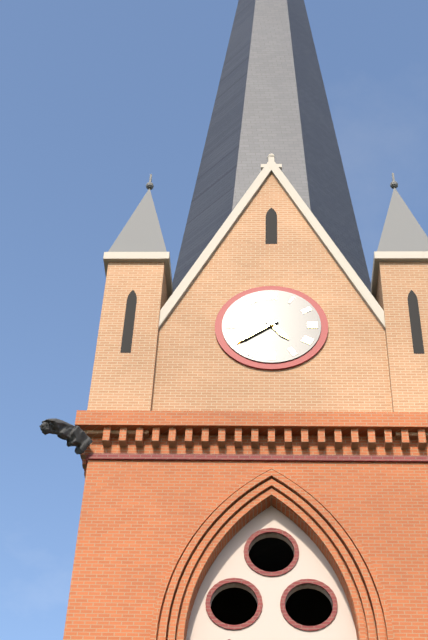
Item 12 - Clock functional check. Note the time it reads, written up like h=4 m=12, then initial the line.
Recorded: h=4 m=39
